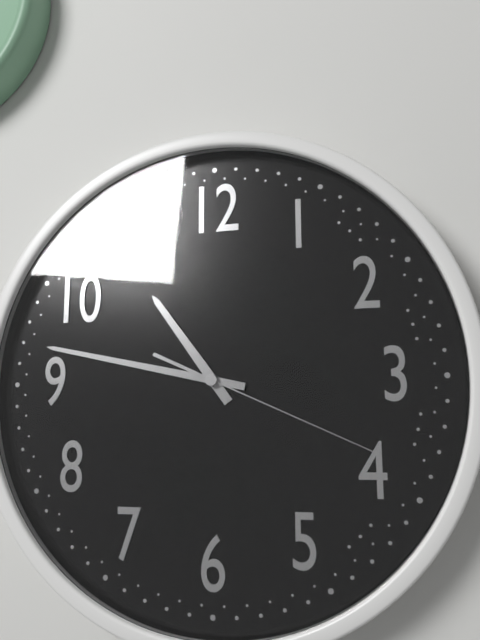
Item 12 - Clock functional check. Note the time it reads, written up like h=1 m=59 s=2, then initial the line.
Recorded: h=10 m=47 s=19
